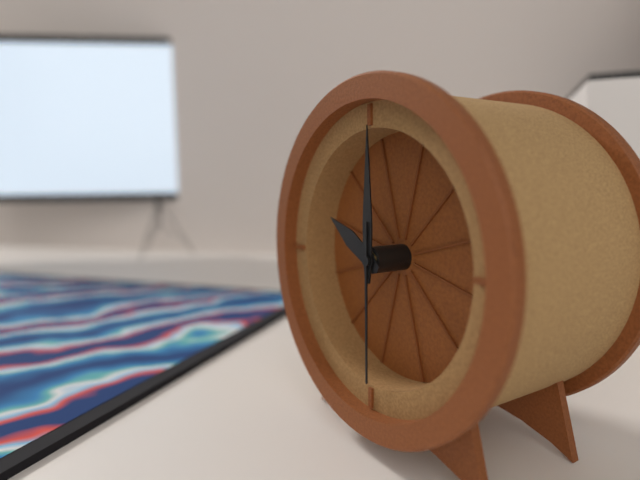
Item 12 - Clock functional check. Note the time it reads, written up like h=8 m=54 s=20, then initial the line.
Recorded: h=10 m=0 s=30
